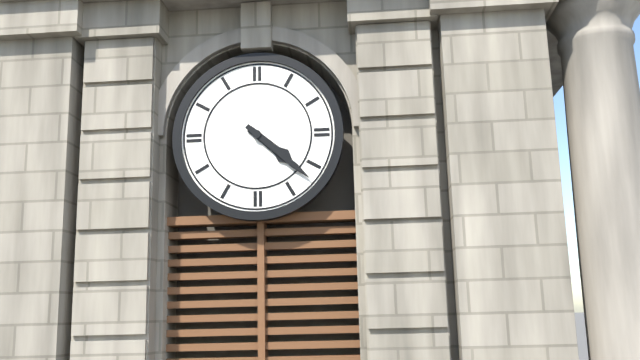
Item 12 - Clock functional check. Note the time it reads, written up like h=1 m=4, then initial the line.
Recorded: h=4 m=22
